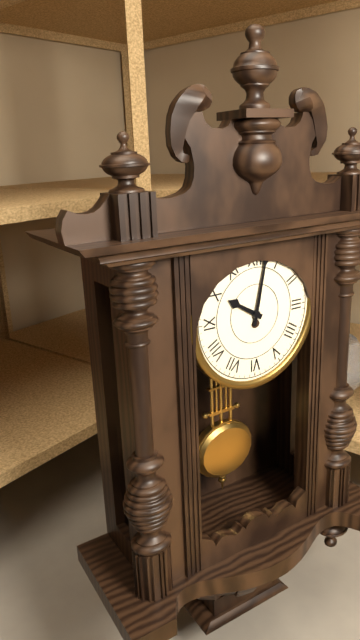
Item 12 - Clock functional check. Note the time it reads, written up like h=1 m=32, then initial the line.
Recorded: h=10 m=2
